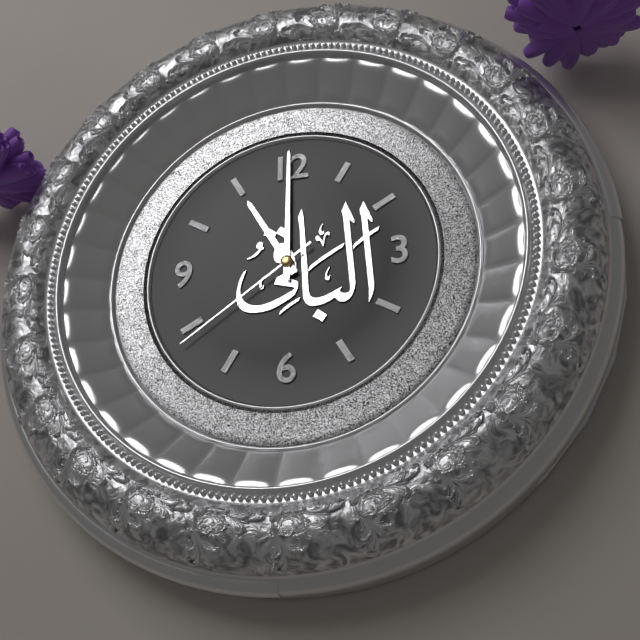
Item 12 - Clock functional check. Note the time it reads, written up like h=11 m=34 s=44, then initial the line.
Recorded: h=11 m=0 s=39
